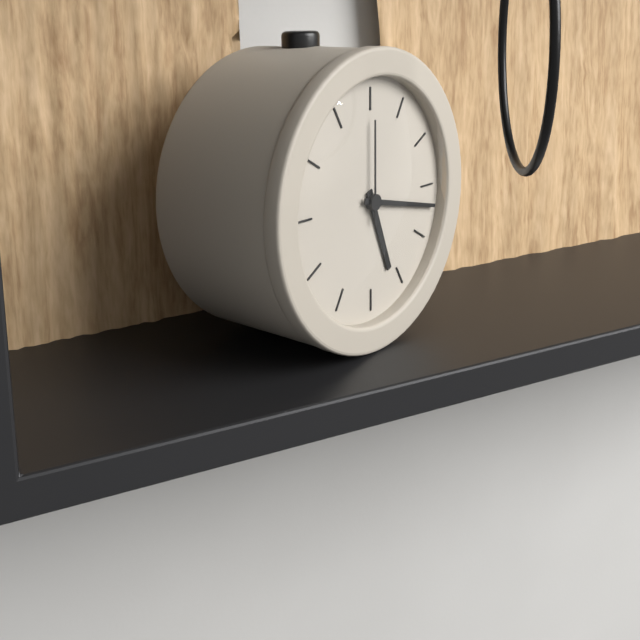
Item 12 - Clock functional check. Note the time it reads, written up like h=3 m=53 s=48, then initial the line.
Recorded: h=5 m=17 s=0
